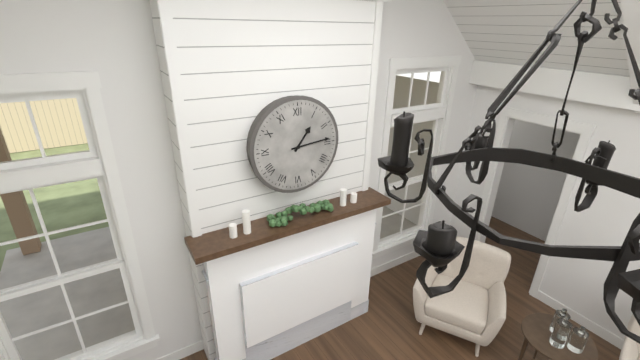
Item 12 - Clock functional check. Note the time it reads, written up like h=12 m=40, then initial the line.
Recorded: h=1 m=14
